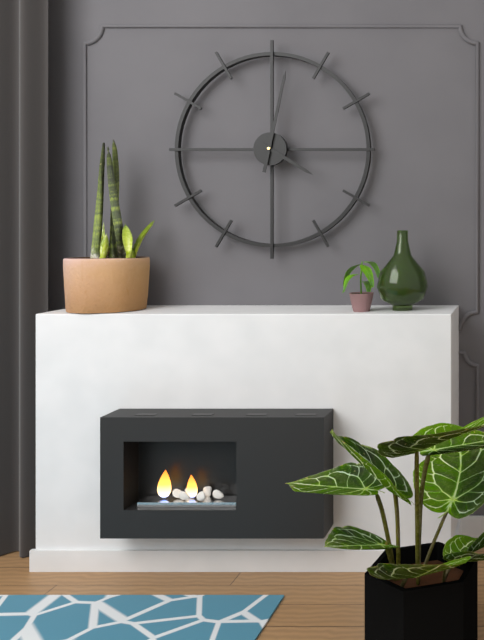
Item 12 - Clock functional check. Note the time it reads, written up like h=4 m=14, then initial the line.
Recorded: h=4 m=2
